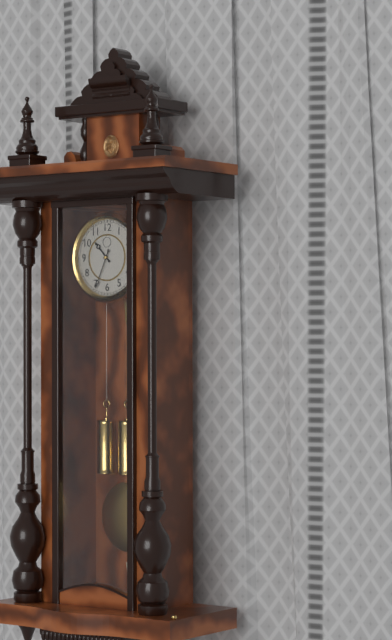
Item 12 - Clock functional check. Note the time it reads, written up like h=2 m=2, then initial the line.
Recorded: h=10 m=34
